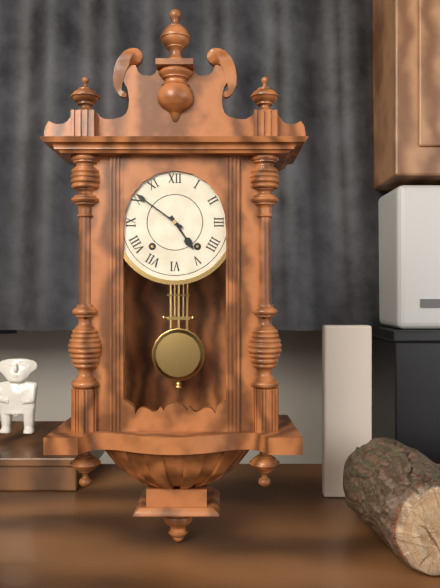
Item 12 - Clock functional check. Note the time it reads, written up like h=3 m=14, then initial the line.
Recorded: h=4 m=51
